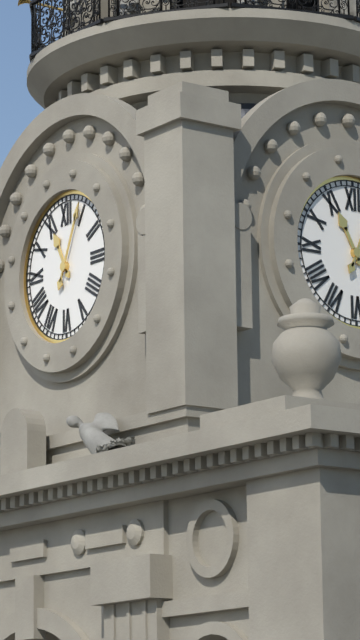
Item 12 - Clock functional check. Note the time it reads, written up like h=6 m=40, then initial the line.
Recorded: h=11 m=4
